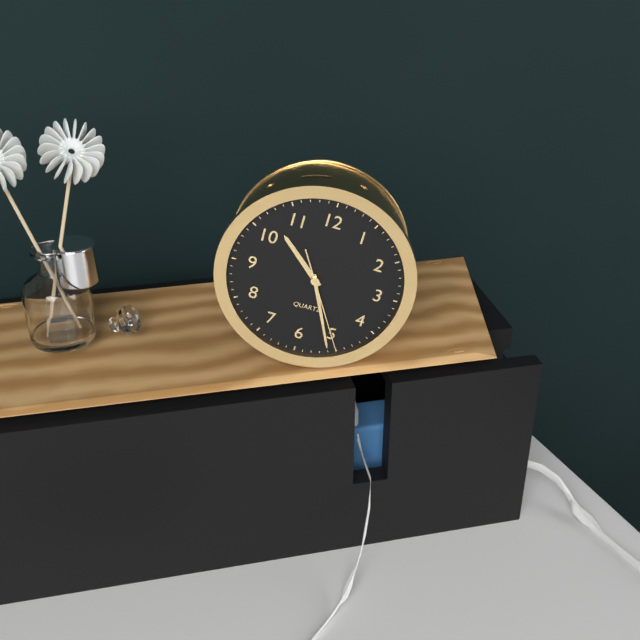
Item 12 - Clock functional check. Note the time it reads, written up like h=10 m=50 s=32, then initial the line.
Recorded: h=10 m=26 s=25
